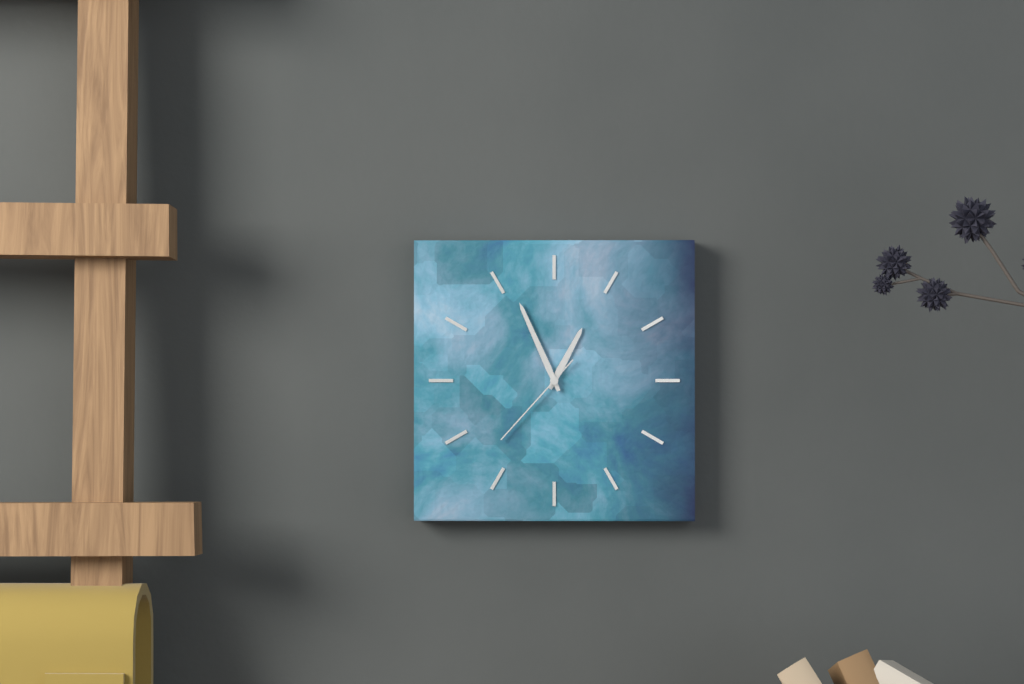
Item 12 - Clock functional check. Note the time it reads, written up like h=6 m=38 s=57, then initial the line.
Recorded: h=12 m=56 s=37
